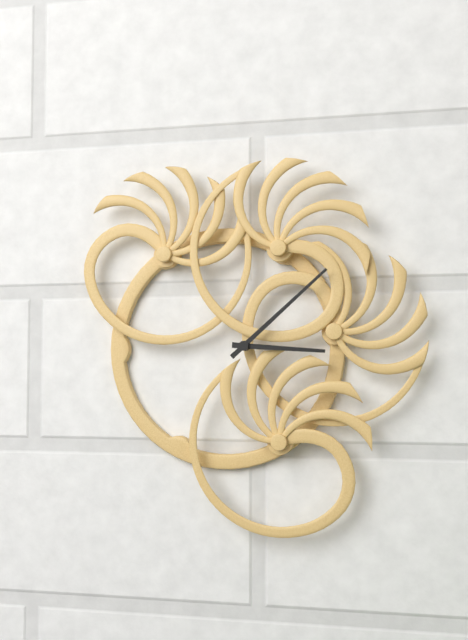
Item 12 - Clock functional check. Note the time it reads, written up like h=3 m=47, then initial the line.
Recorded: h=3 m=8
